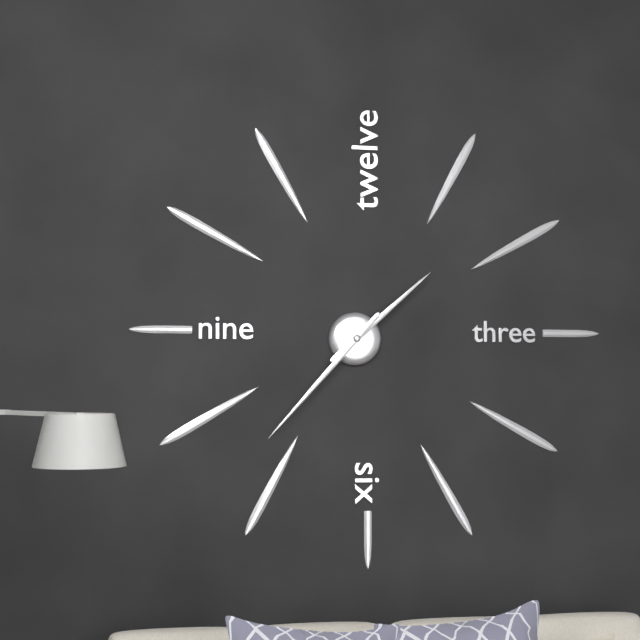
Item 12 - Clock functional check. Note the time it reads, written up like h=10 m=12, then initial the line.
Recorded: h=1 m=37
